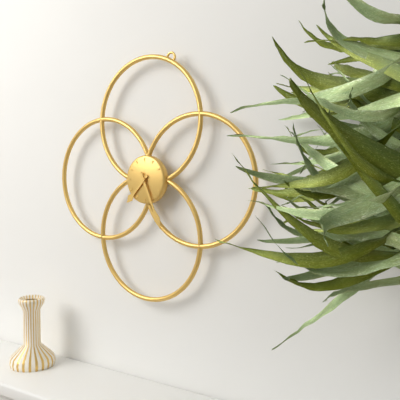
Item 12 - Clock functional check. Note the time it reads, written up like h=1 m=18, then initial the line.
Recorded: h=7 m=26
